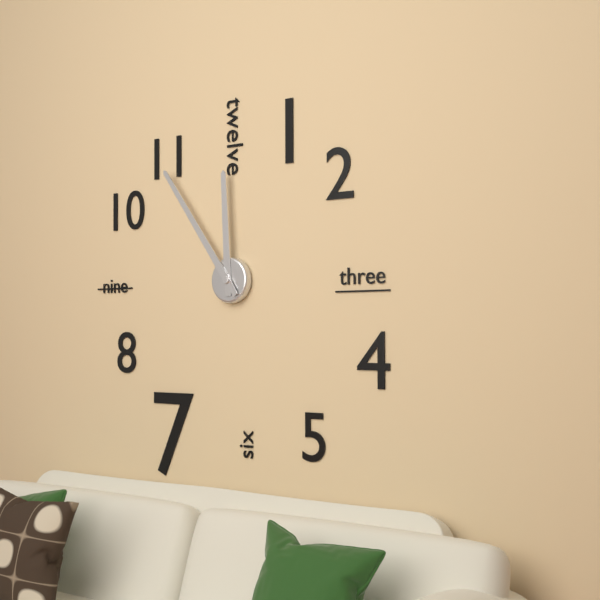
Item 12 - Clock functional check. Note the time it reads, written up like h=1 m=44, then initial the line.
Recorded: h=11 m=54
